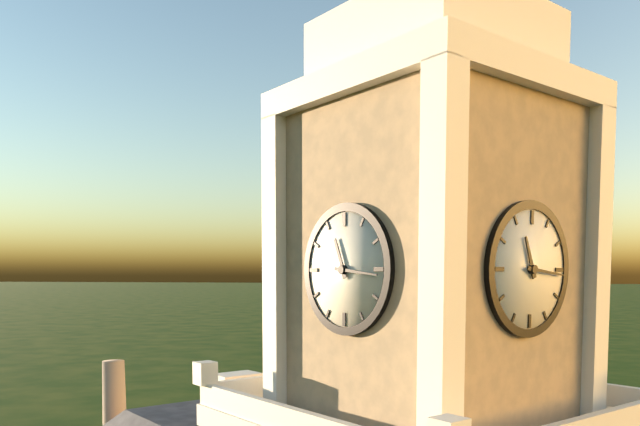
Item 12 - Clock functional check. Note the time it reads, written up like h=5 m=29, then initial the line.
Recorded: h=11 m=16
